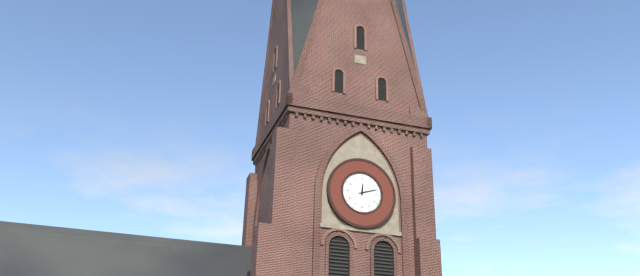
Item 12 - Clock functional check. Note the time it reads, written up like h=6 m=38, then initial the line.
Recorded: h=12 m=12
